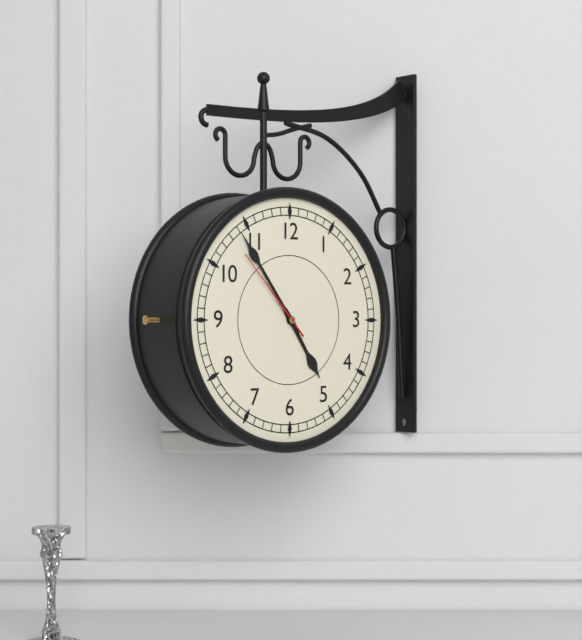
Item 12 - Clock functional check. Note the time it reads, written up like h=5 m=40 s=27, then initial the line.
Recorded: h=4 m=54 s=53
